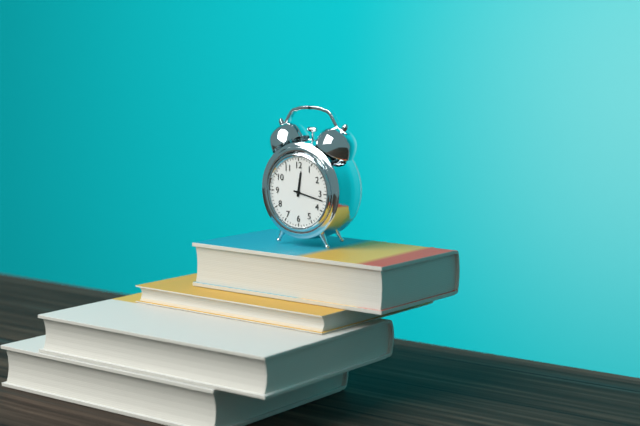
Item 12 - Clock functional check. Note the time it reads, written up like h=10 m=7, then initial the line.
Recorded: h=12 m=17
